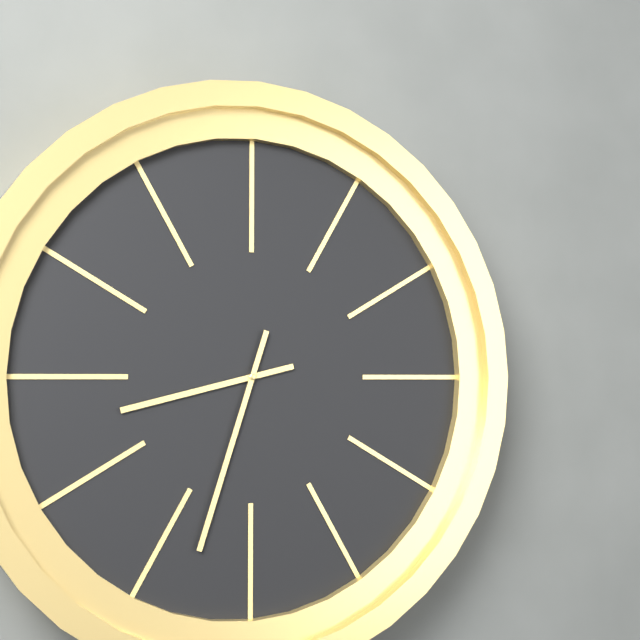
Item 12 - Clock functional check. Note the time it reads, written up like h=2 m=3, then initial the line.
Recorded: h=8 m=33
